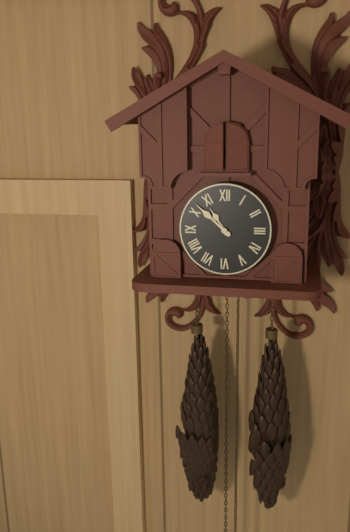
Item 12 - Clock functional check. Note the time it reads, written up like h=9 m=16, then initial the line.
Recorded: h=10 m=52
